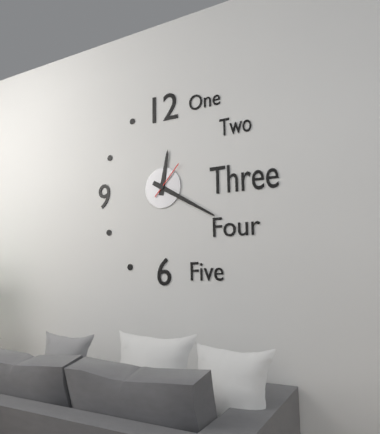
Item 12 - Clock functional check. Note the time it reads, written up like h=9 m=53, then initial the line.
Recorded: h=12 m=20
